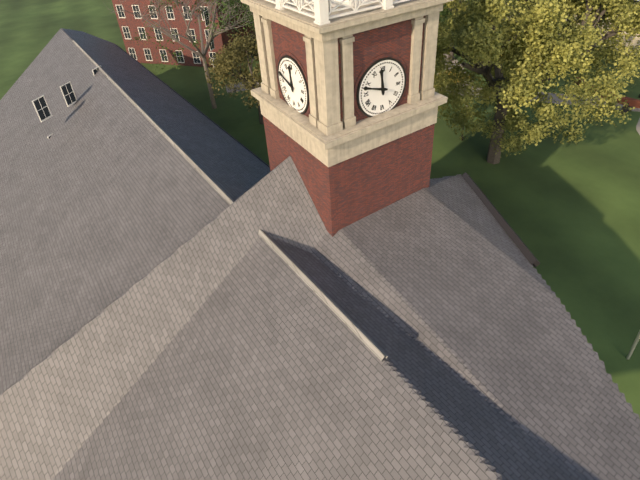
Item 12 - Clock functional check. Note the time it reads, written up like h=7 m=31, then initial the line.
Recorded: h=11 m=48
